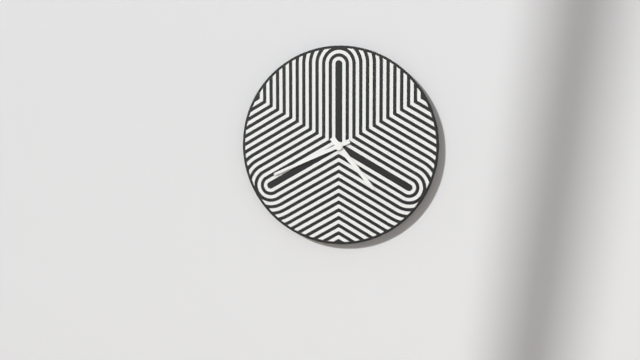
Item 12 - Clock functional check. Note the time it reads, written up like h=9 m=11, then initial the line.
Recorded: h=4 m=41
